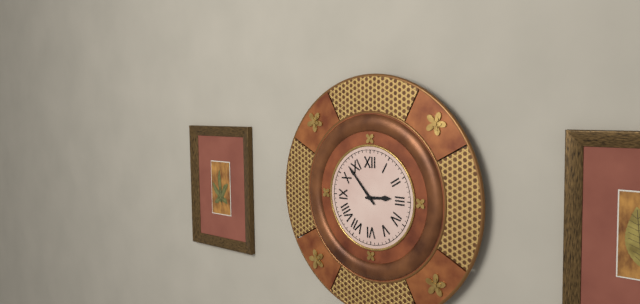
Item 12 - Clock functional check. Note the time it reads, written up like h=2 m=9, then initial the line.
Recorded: h=2 m=53
